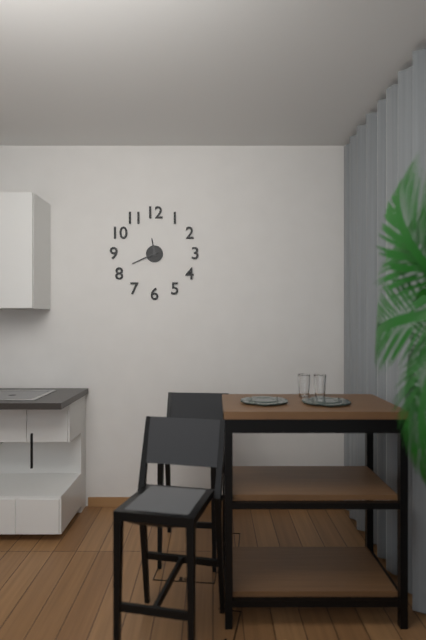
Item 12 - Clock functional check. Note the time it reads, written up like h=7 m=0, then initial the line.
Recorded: h=11 m=41
